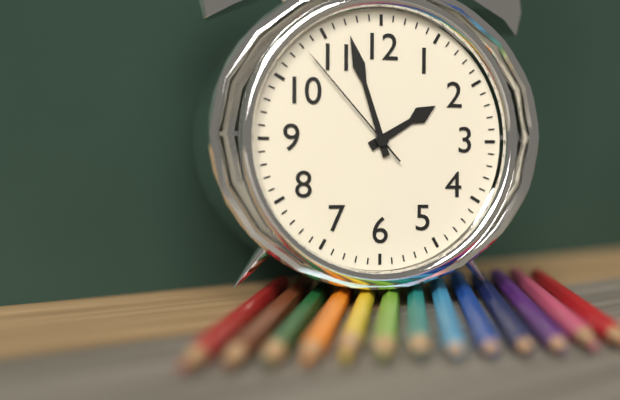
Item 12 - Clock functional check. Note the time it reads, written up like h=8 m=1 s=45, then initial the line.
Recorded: h=1 m=57 s=53
